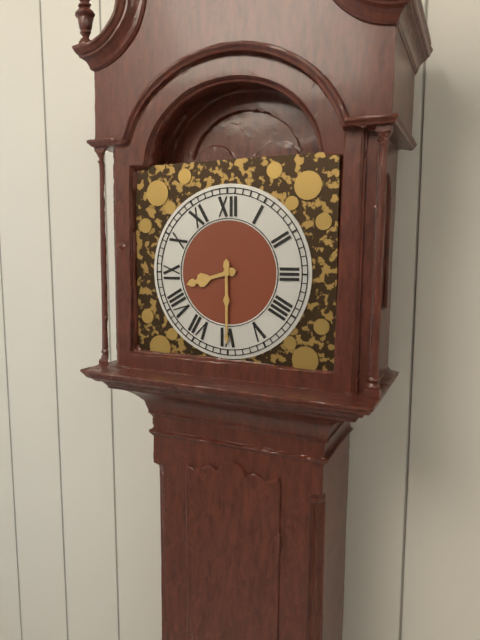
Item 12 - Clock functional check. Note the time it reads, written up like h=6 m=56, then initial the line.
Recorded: h=8 m=30
